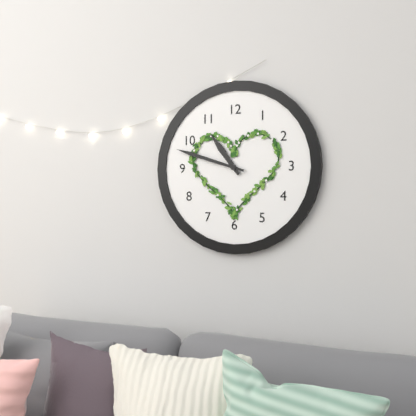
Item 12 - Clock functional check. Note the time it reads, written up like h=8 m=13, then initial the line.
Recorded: h=10 m=48
